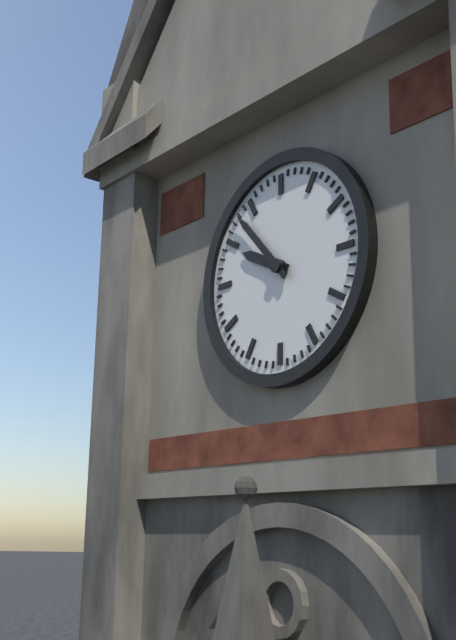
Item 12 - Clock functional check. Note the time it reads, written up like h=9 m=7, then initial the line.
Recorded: h=9 m=53
